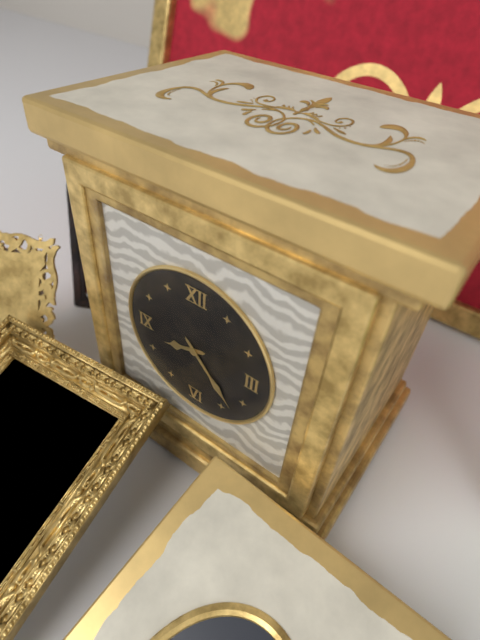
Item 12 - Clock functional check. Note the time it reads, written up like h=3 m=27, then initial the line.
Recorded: h=8 m=23
